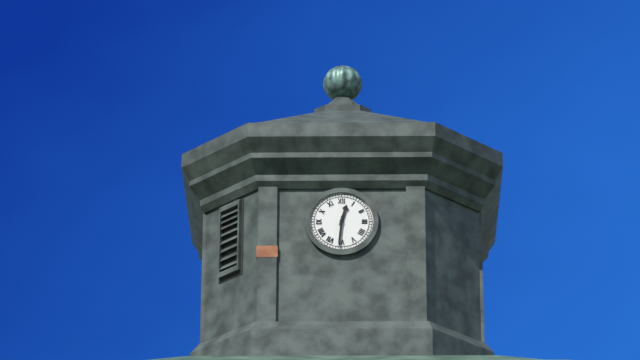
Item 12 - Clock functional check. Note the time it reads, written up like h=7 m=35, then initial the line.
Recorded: h=12 m=31
